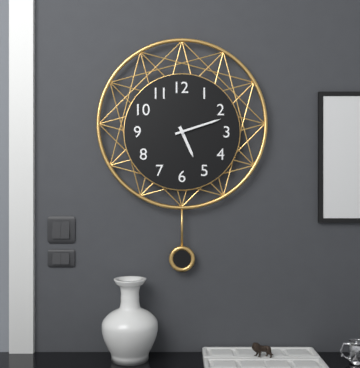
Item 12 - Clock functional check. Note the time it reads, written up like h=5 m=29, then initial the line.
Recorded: h=5 m=12
